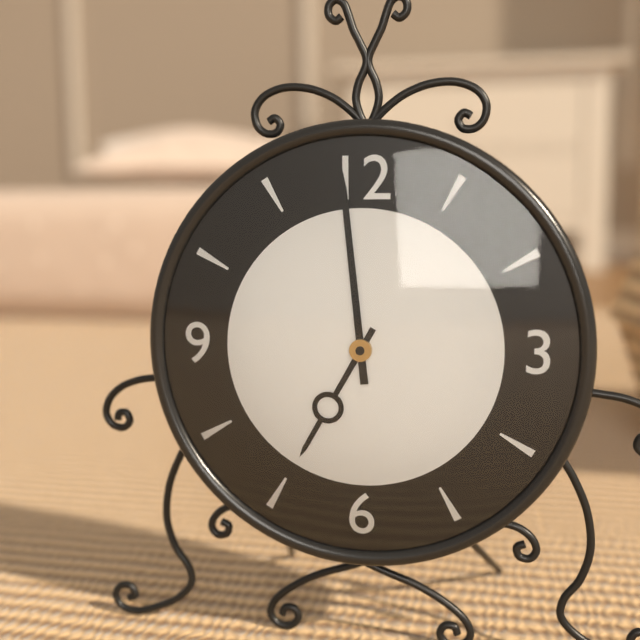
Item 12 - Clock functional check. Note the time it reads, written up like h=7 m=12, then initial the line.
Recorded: h=6 m=59
